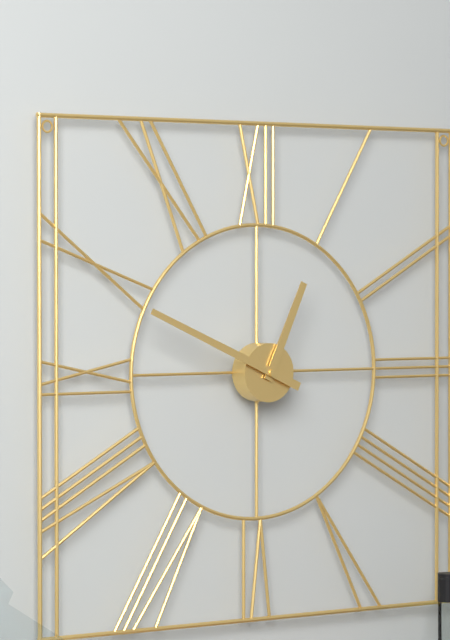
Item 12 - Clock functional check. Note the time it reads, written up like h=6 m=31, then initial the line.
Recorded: h=12 m=49
